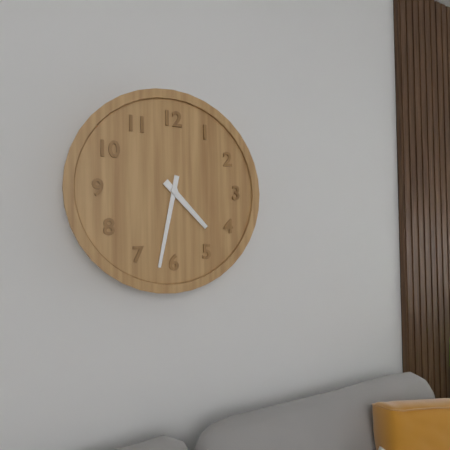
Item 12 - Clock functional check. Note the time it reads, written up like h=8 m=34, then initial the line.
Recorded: h=4 m=32
